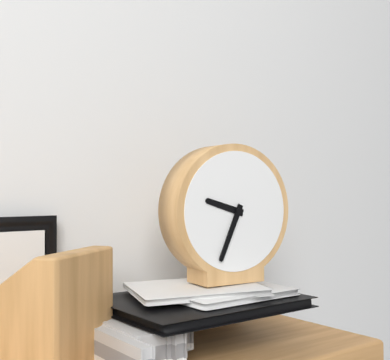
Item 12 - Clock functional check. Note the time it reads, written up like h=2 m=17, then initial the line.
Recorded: h=9 m=34
